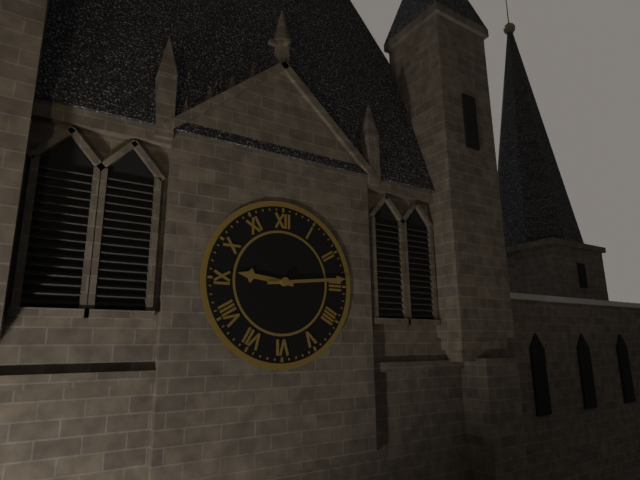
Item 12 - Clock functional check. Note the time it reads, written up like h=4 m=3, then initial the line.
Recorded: h=9 m=14
